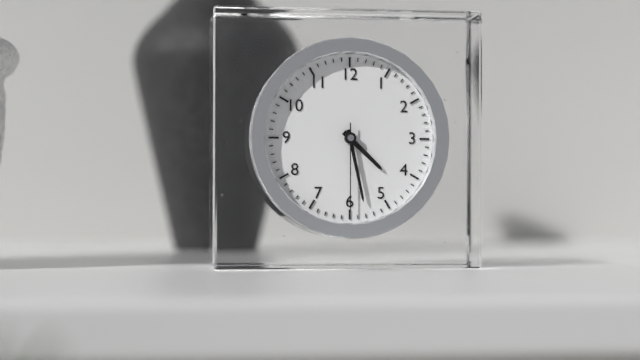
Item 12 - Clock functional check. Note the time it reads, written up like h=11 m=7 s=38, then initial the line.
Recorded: h=4 m=28 s=30
